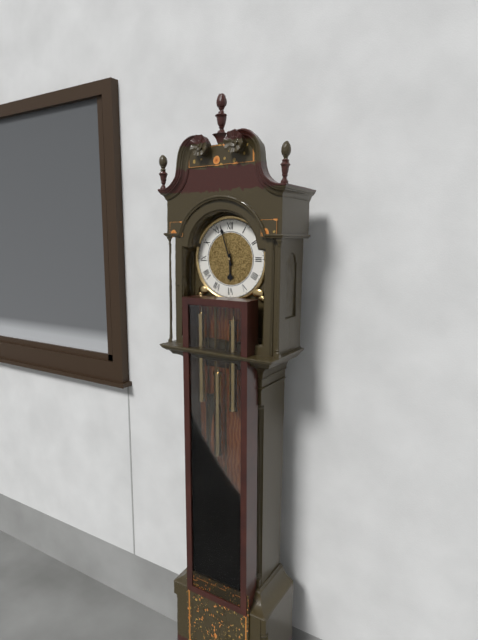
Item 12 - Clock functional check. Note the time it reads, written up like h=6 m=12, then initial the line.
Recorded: h=5 m=57
